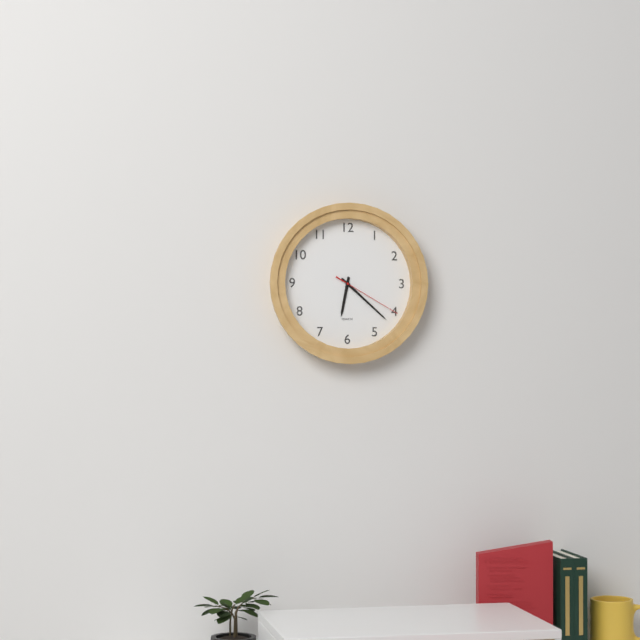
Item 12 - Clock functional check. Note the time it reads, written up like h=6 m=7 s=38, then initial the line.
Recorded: h=6 m=22 s=20
